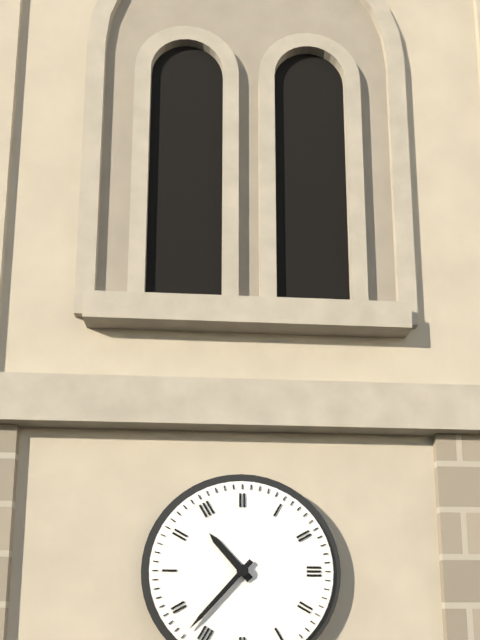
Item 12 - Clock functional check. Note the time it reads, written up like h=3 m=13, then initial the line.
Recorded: h=10 m=37
